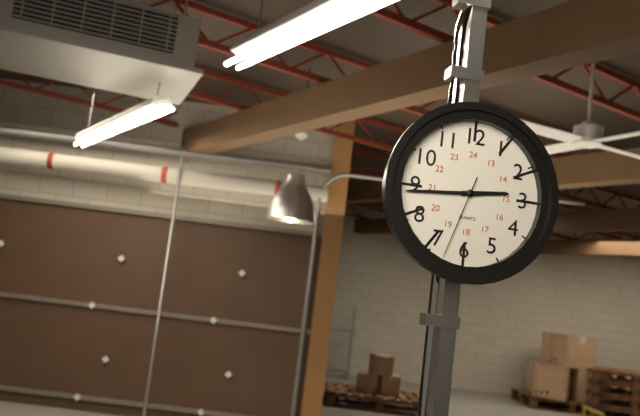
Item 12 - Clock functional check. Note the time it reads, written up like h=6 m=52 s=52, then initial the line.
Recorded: h=2 m=44 s=33
